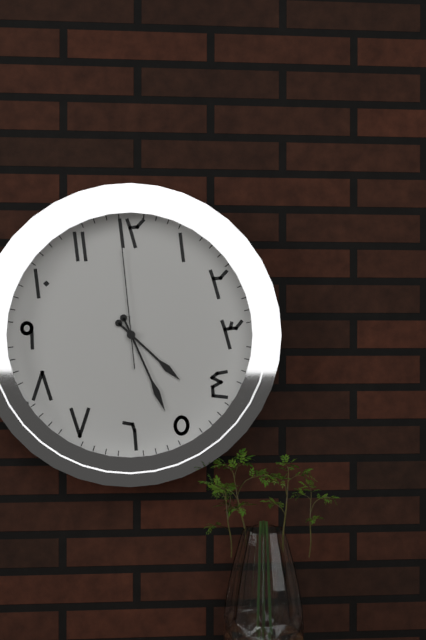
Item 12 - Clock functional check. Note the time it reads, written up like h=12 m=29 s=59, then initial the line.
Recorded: h=4 m=26 s=59
